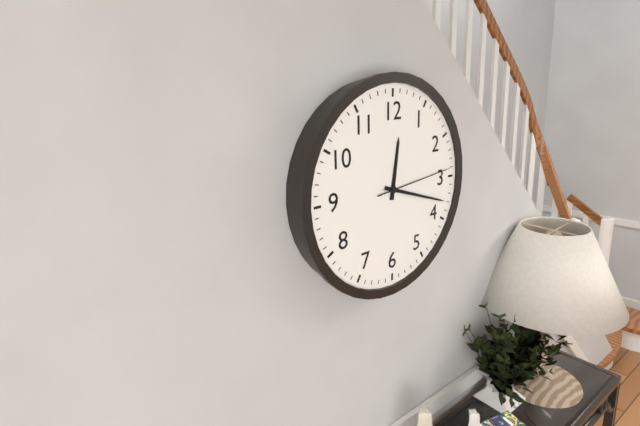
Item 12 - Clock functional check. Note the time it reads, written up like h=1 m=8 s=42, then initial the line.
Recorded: h=12 m=18 s=14
